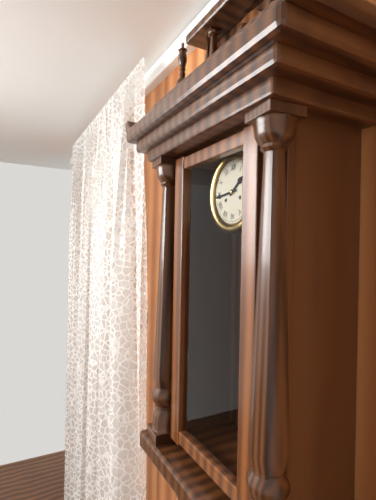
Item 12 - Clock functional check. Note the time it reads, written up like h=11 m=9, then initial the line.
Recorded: h=1 m=44
